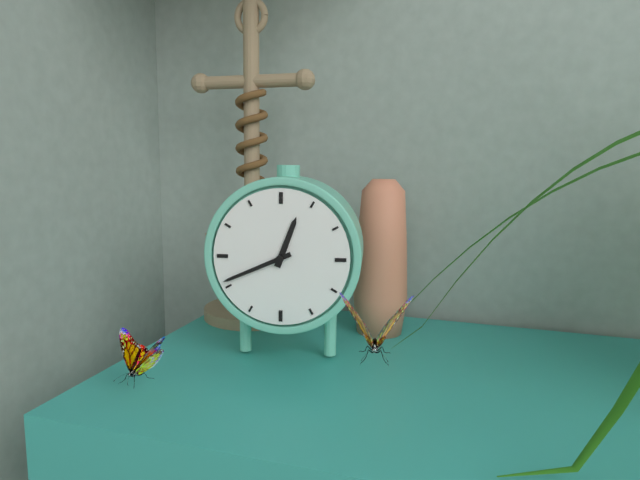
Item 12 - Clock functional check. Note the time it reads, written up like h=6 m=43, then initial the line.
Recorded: h=12 m=41
